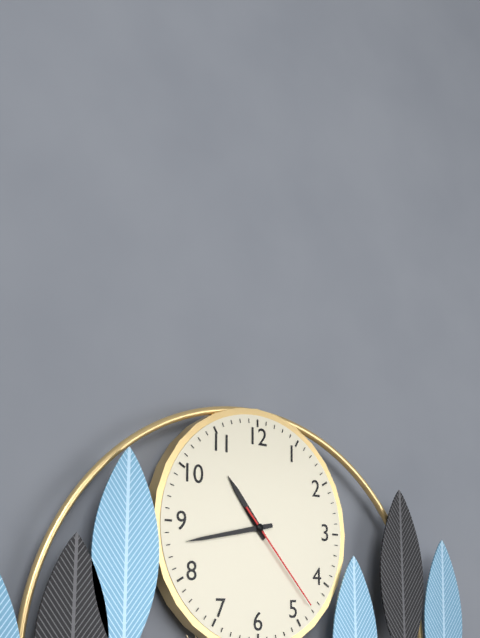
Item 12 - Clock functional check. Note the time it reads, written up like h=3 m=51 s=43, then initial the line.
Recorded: h=10 m=43 s=23
